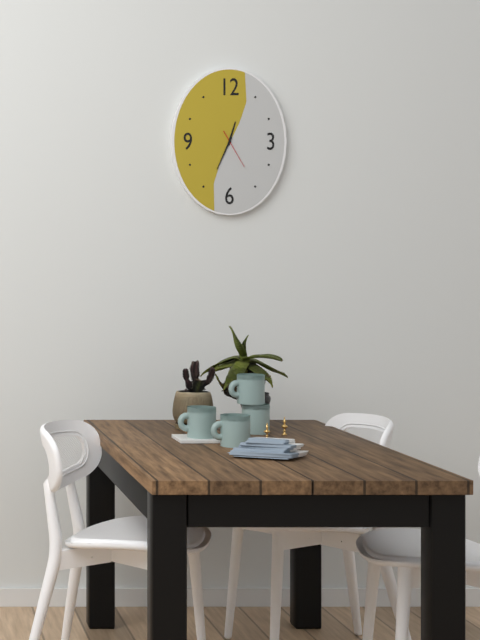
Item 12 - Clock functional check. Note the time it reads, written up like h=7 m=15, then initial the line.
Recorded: h=12 m=34
